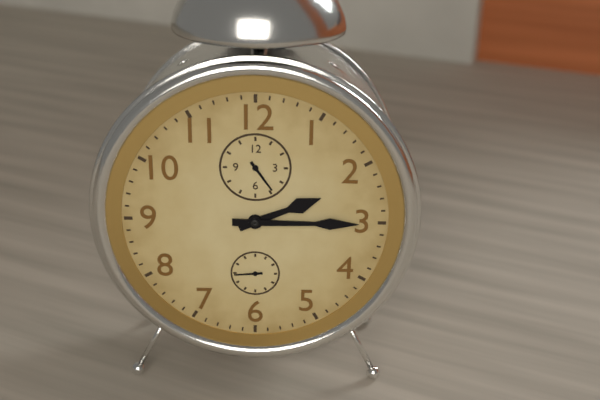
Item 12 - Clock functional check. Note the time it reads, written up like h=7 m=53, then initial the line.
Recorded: h=2 m=15
